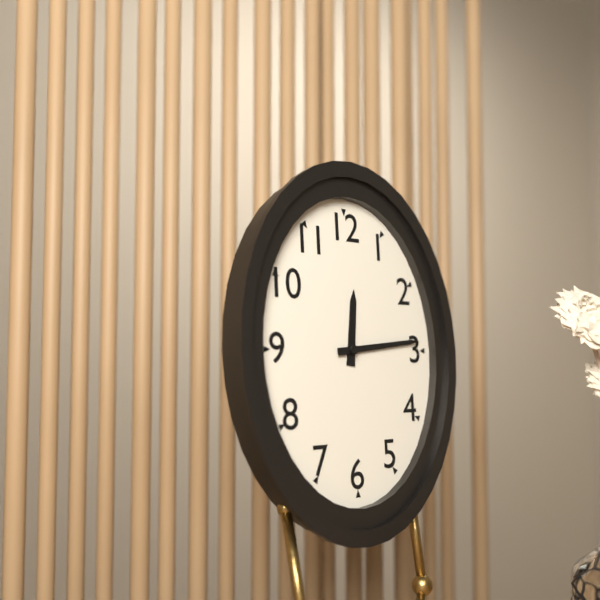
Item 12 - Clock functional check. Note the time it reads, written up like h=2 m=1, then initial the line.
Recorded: h=12 m=14
